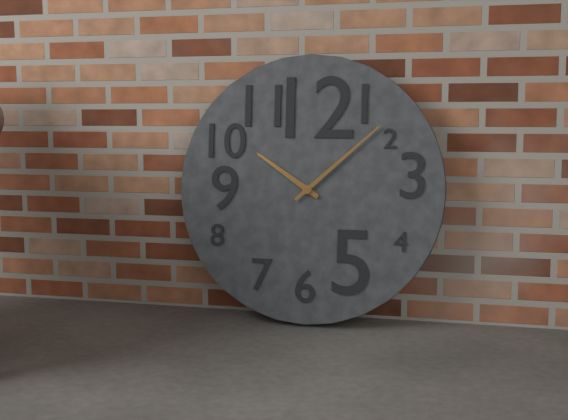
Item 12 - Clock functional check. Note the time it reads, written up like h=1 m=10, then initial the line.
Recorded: h=10 m=8
